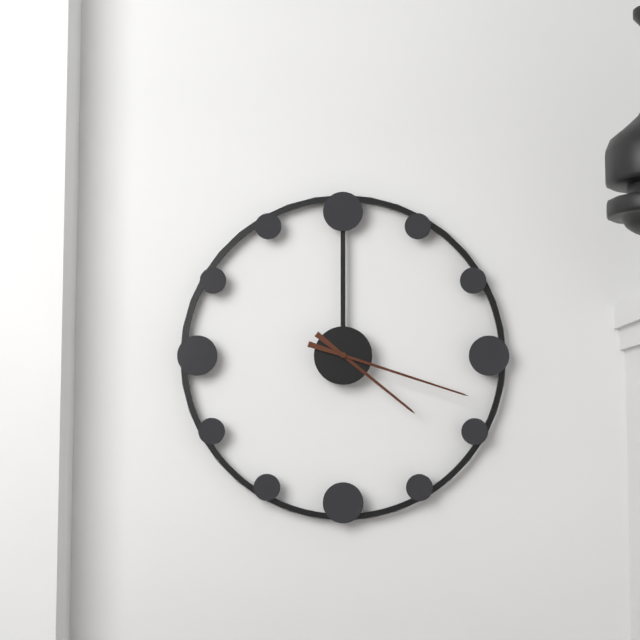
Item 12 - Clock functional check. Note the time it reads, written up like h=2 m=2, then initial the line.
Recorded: h=4 m=18
